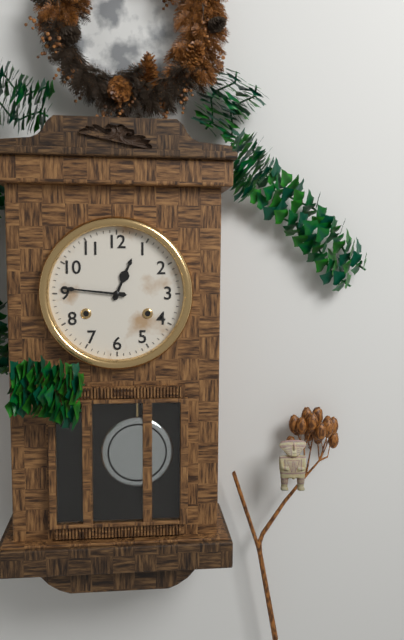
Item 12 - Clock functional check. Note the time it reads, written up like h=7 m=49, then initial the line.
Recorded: h=12 m=46
